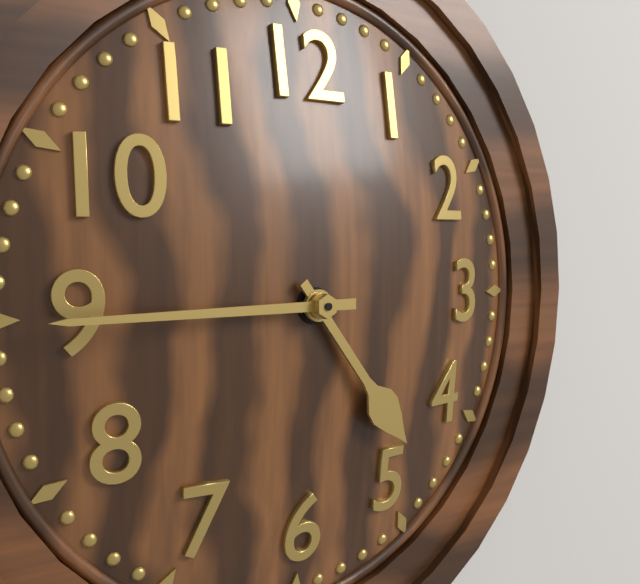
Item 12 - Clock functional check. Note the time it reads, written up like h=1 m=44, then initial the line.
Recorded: h=4 m=45
